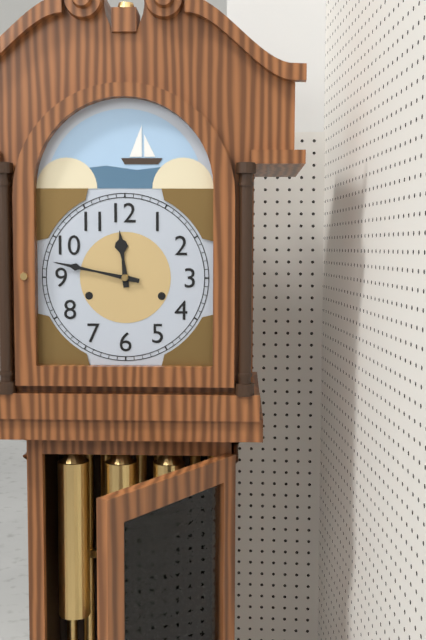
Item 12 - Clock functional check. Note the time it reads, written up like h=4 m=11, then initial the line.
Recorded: h=11 m=47
